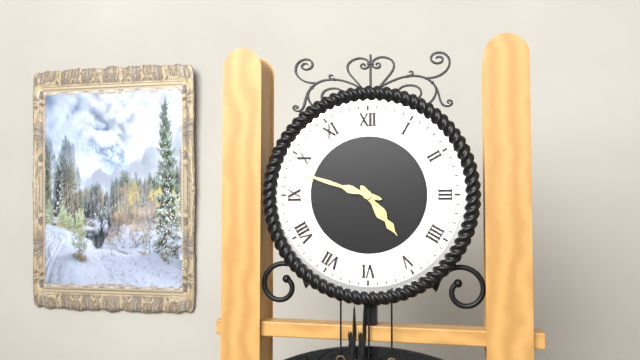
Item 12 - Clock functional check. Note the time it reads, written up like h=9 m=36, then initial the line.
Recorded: h=4 m=48
